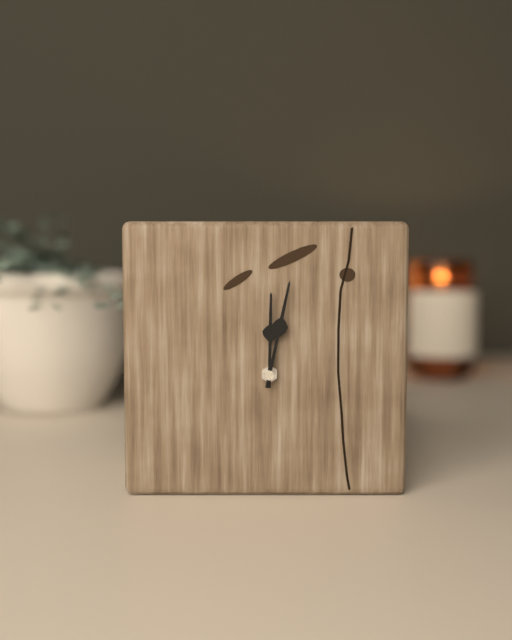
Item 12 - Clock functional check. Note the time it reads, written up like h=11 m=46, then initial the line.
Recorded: h=12 m=2
